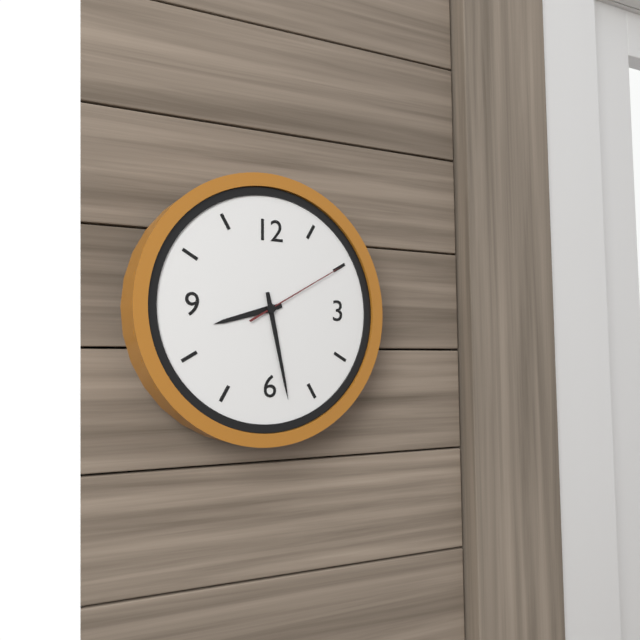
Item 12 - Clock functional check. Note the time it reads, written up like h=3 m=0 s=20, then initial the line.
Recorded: h=8 m=28 s=10
